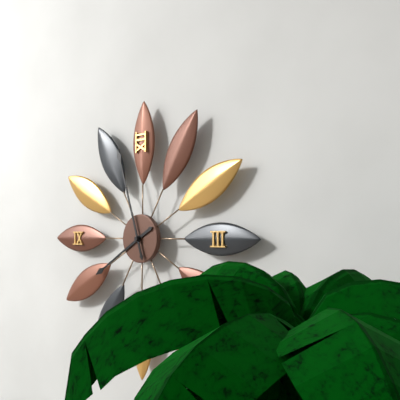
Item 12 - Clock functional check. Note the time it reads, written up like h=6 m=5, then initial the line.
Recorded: h=7 m=57
